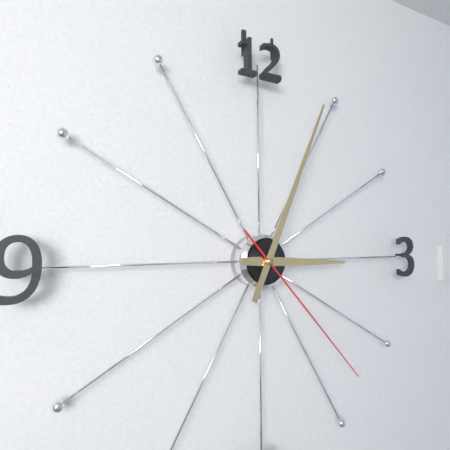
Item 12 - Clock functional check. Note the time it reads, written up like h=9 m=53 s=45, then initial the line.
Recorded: h=3 m=4 s=23
